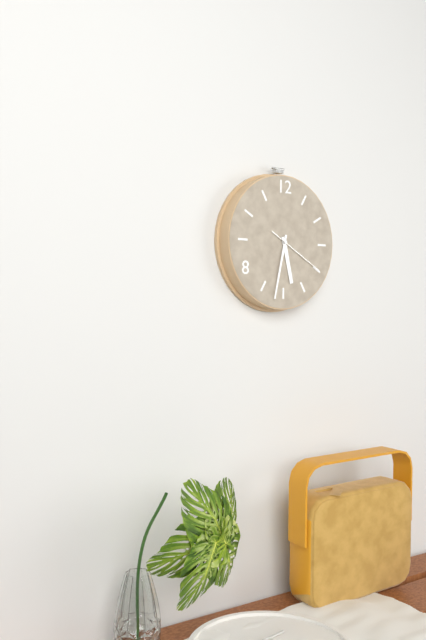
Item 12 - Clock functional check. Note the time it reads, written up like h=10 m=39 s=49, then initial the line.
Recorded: h=5 m=32 s=20
